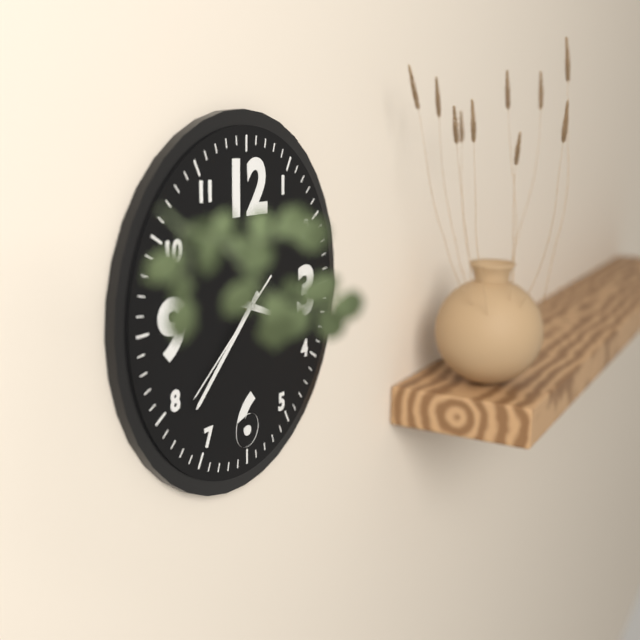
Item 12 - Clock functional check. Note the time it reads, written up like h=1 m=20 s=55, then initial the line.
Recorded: h=3 m=38 s=39
